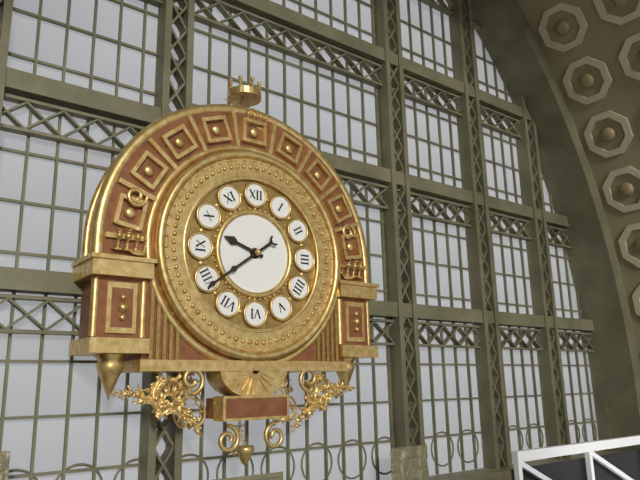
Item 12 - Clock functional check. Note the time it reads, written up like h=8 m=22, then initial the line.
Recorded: h=9 m=39
